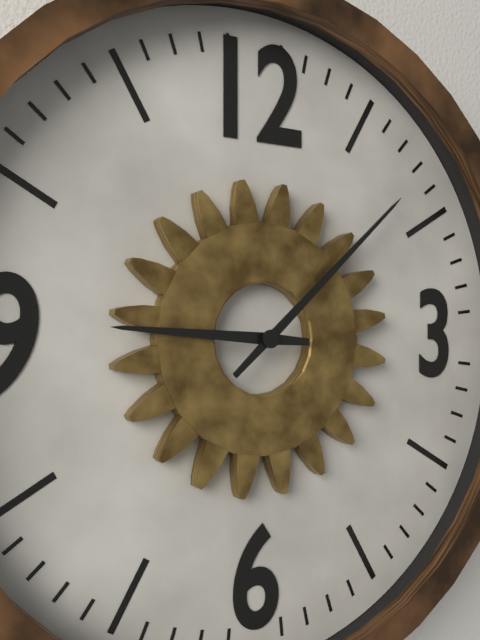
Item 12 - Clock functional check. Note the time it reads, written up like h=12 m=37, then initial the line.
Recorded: h=9 m=8
